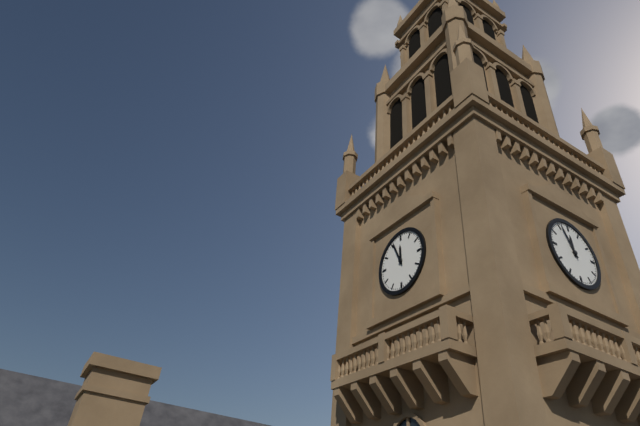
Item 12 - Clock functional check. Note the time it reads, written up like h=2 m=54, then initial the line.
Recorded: h=11 m=56
